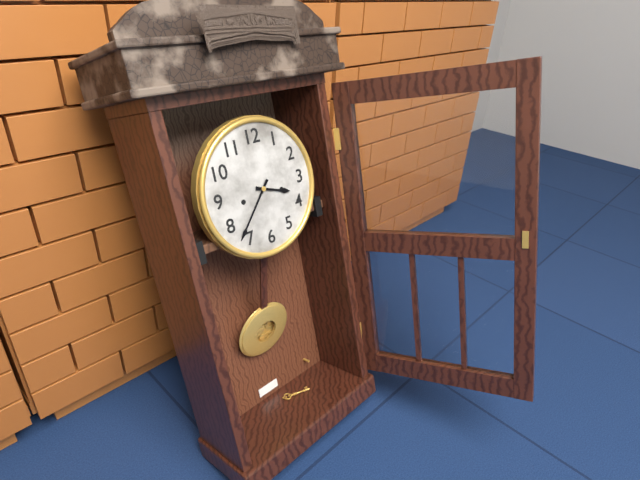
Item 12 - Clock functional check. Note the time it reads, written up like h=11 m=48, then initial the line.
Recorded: h=3 m=37
